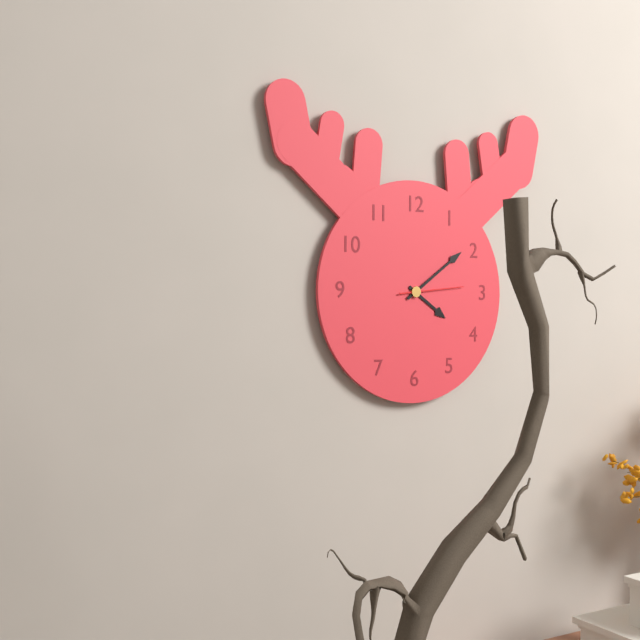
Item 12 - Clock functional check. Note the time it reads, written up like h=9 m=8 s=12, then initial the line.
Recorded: h=4 m=9 s=14
